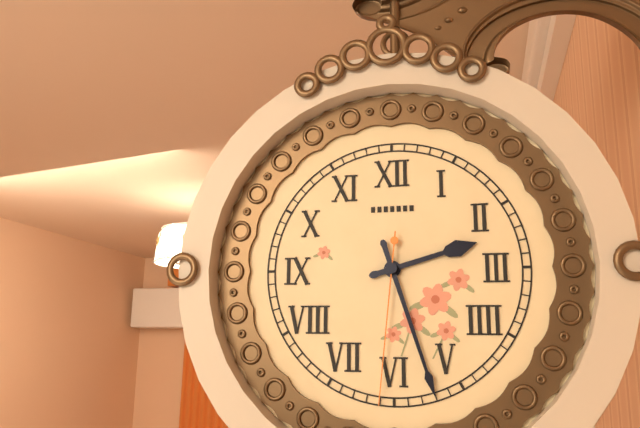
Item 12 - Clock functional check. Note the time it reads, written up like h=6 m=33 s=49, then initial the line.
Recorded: h=2 m=27 s=31
